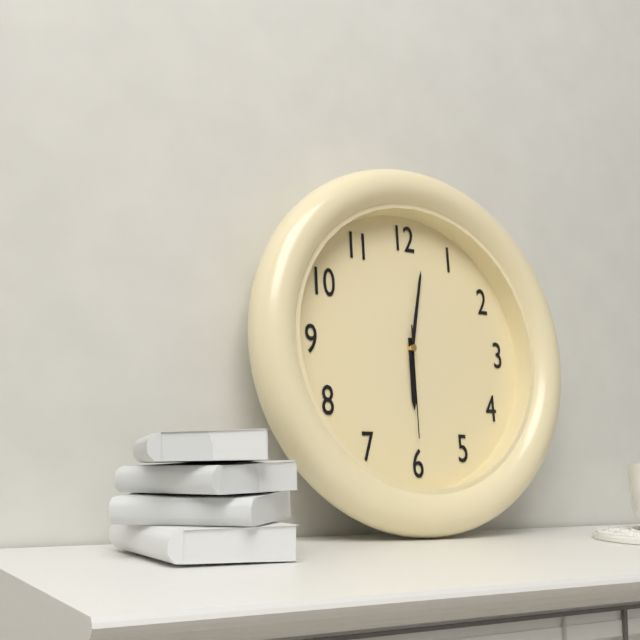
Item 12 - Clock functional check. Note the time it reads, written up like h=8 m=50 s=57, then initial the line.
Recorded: h=6 m=2 s=30
